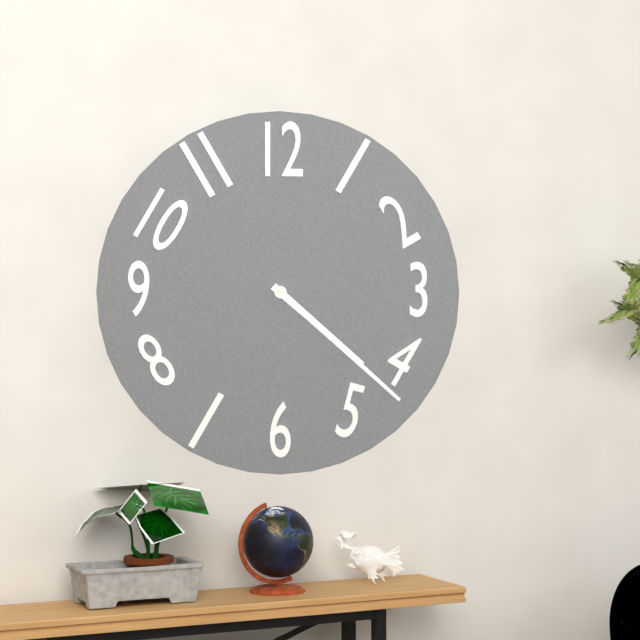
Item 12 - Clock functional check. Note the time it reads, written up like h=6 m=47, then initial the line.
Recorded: h=4 m=22
